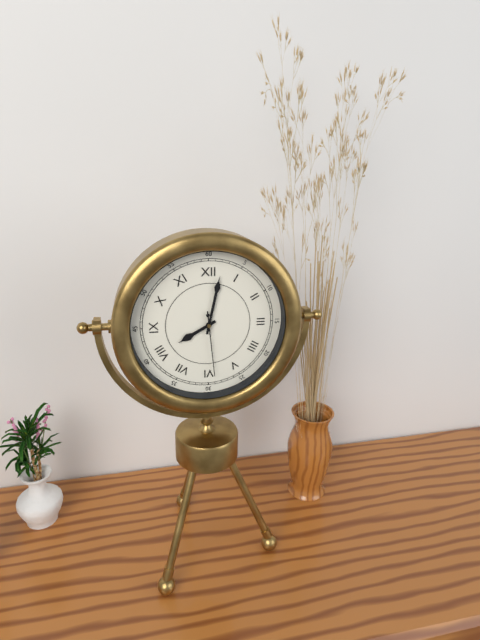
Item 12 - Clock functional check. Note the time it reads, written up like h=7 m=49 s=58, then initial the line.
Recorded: h=8 m=2 s=29
